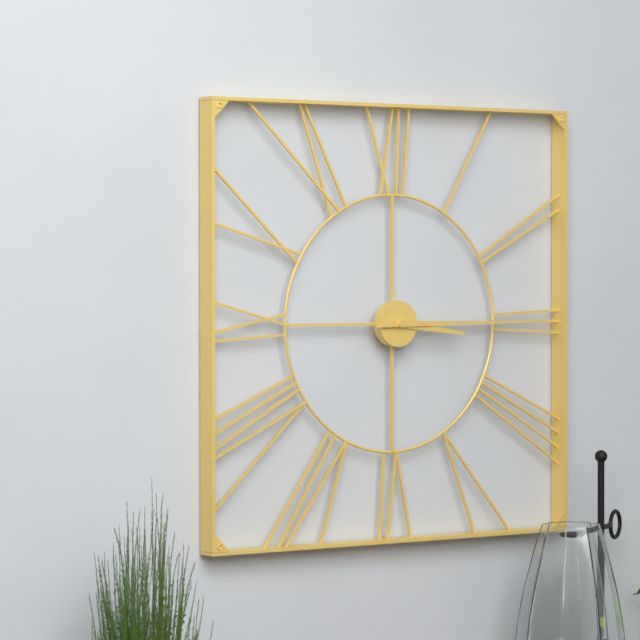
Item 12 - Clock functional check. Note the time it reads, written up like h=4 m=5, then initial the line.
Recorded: h=3 m=15
